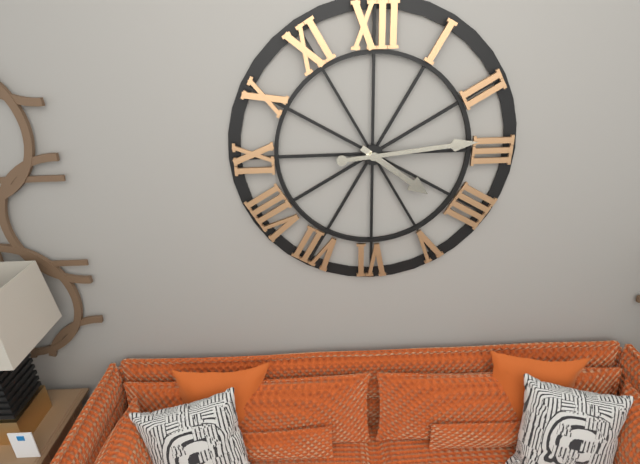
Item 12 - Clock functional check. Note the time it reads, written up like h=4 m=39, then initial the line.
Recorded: h=4 m=14
